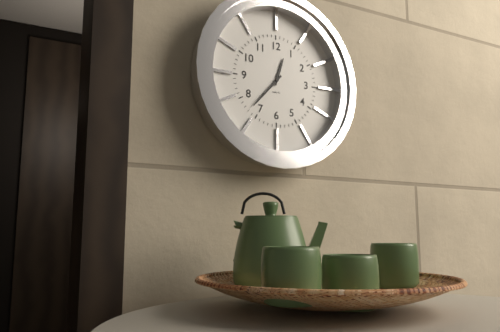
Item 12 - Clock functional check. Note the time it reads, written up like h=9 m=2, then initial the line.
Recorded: h=12 m=37
